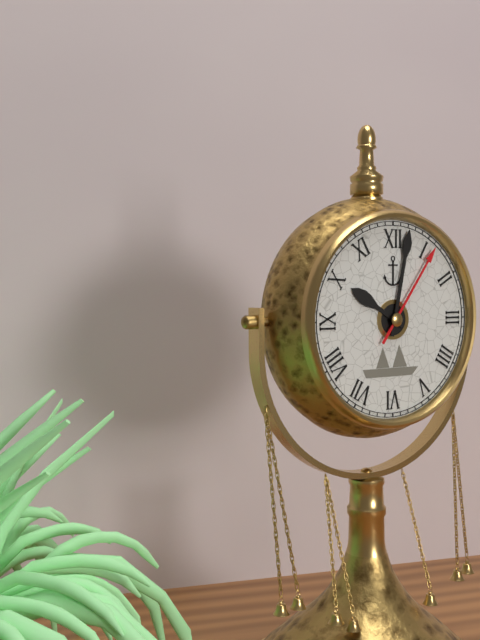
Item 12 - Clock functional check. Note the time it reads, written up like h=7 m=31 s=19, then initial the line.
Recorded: h=10 m=2 s=6
